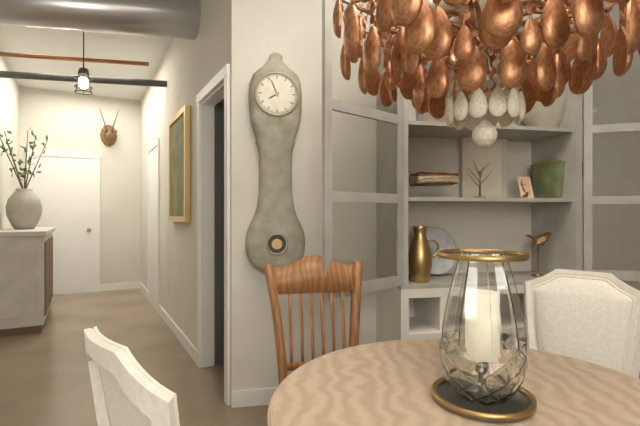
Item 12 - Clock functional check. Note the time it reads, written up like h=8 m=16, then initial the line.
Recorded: h=7 m=56
